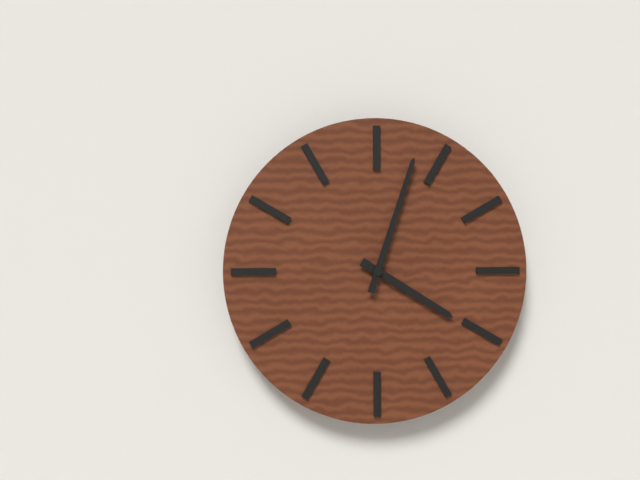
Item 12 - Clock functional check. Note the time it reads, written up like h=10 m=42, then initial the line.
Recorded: h=4 m=3
